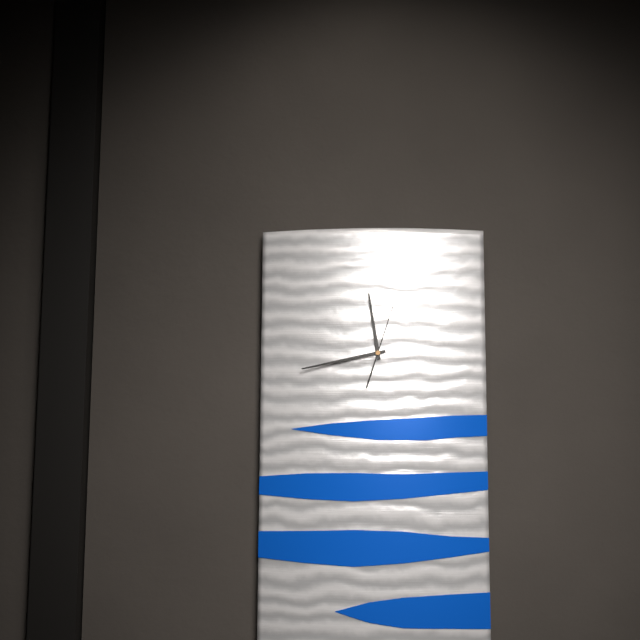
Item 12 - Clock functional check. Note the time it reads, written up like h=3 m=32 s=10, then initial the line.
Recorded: h=11 m=43 s=3
